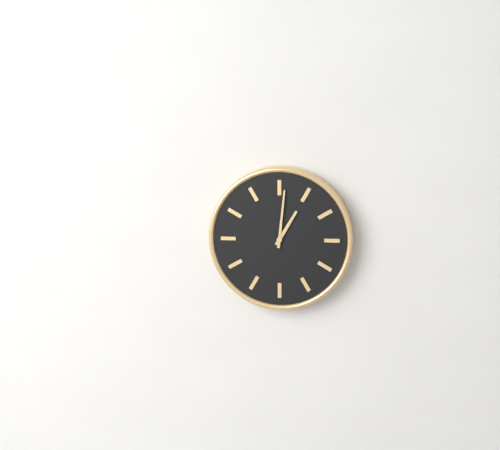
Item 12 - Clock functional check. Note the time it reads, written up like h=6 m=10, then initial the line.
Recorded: h=1 m=1
